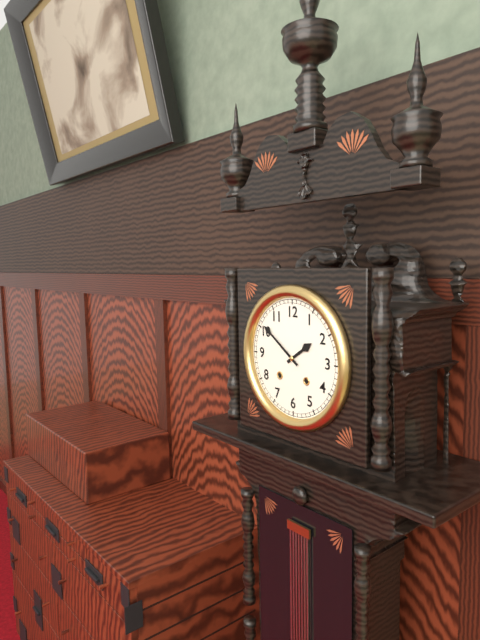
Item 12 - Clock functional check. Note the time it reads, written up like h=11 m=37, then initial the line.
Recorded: h=1 m=51
